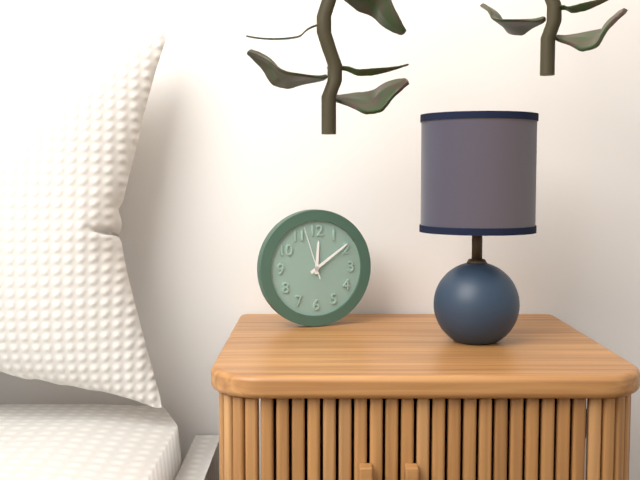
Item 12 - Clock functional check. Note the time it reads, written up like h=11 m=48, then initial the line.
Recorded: h=12 m=9
